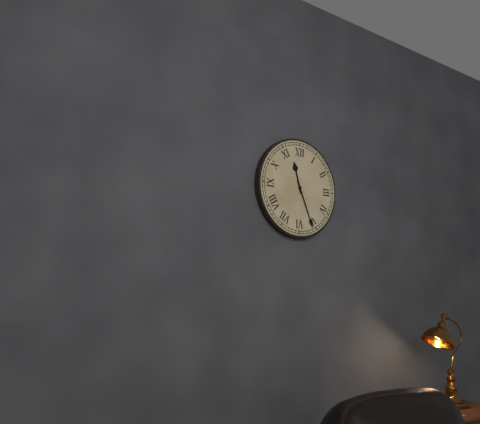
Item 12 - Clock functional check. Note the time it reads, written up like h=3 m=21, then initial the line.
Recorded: h=11 m=26
